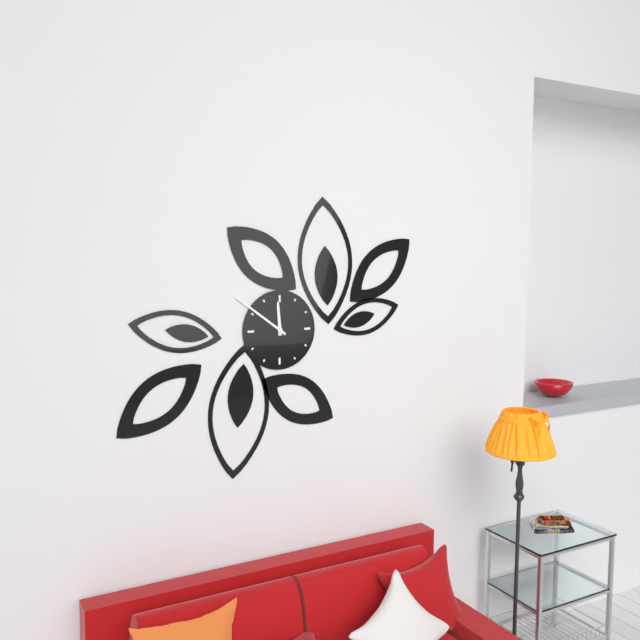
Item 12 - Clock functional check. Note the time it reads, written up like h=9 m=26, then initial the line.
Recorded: h=11 m=51
